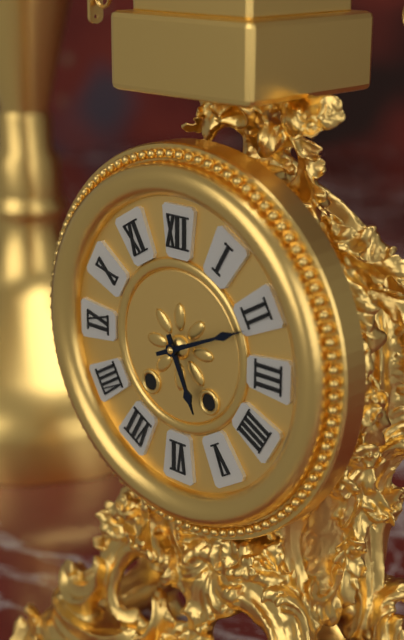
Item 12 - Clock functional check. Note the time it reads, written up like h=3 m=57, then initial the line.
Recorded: h=5 m=11
